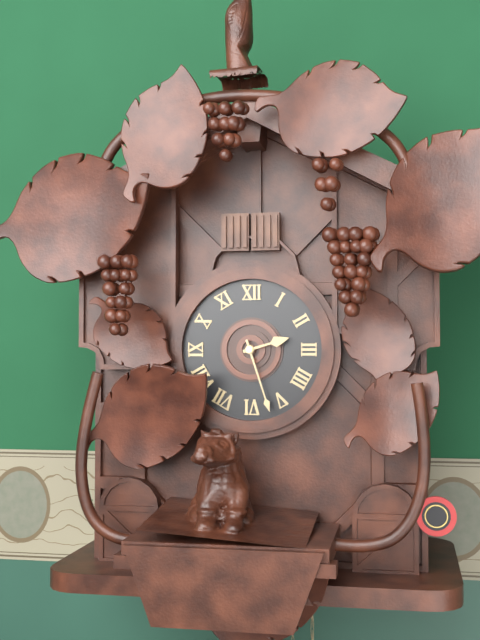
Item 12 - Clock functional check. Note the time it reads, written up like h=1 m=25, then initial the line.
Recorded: h=2 m=27
